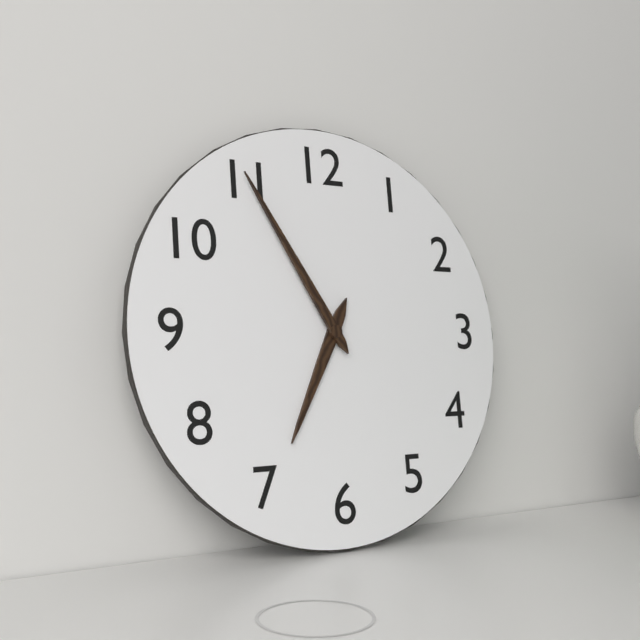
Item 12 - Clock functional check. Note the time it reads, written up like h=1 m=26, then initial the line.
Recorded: h=6 m=55
